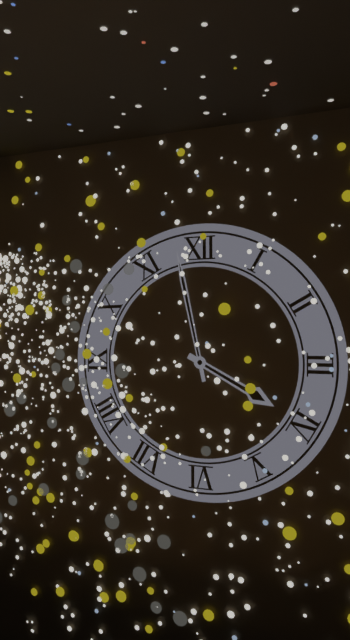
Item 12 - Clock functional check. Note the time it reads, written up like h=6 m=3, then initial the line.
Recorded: h=3 m=58
